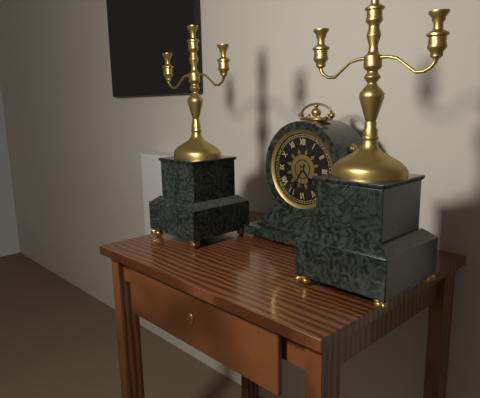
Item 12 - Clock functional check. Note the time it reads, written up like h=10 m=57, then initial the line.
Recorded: h=4 m=35
